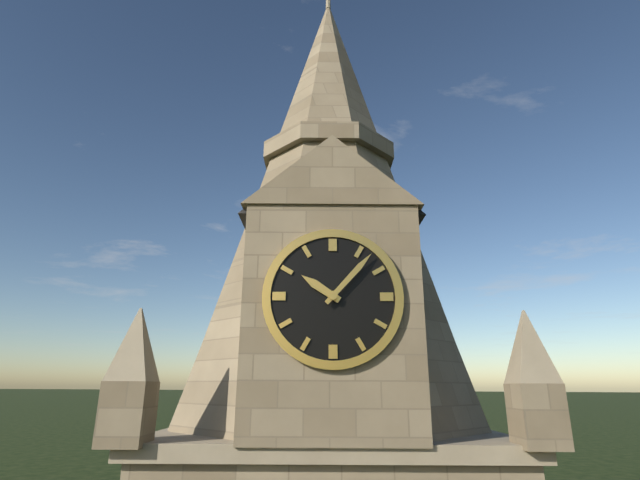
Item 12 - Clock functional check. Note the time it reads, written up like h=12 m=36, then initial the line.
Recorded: h=10 m=7
